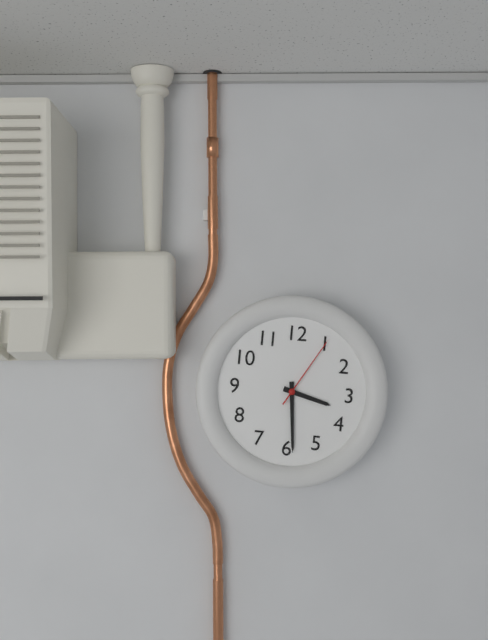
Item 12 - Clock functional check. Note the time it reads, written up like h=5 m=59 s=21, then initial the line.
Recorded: h=3 m=29 s=5
